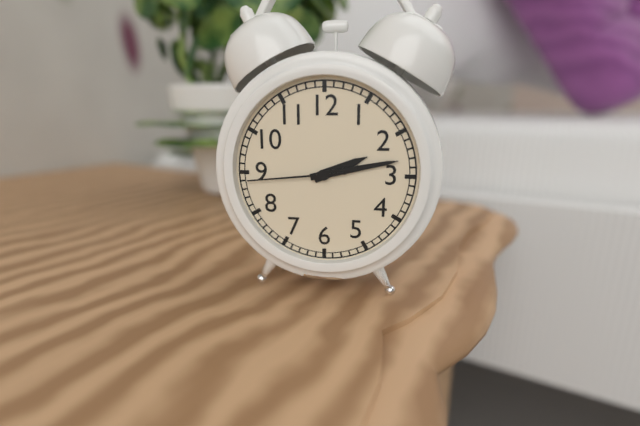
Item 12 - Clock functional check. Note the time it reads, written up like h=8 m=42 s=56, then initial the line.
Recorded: h=2 m=13 s=44
